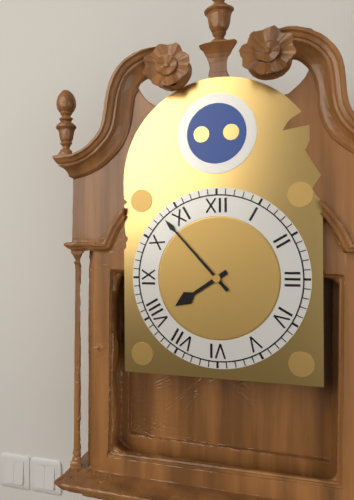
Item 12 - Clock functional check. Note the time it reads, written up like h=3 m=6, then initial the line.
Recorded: h=7 m=53
